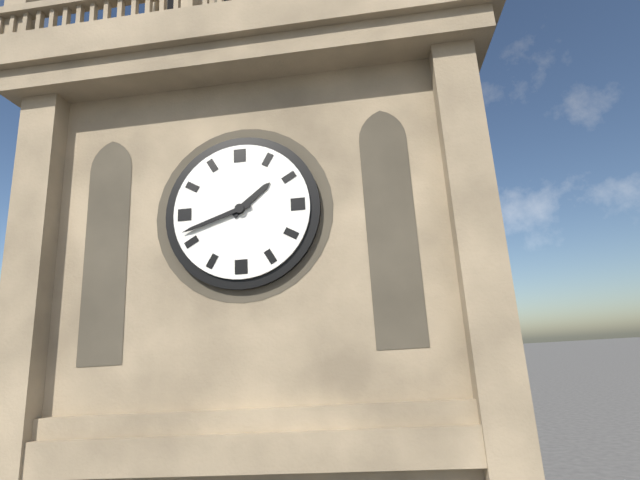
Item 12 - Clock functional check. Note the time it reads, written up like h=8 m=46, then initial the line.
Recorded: h=1 m=42
